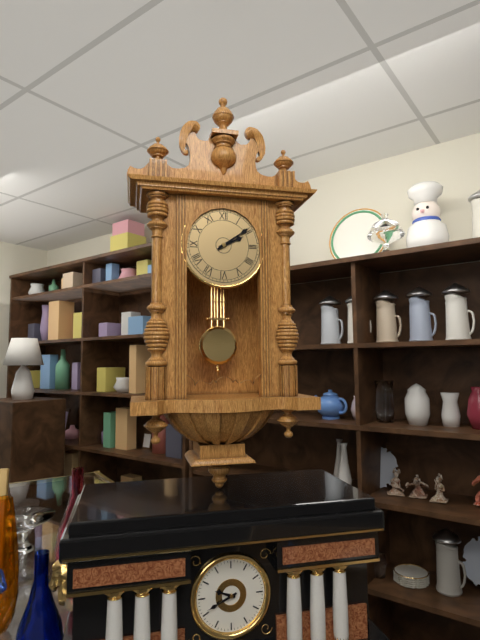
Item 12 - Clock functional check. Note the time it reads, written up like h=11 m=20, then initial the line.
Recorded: h=2 m=9
